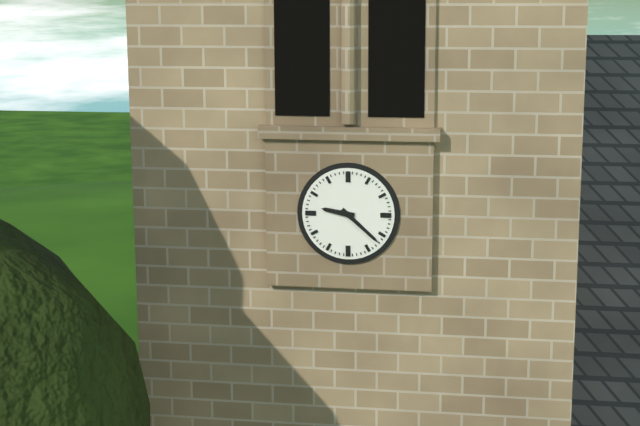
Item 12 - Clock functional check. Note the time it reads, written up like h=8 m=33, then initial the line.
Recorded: h=9 m=22
